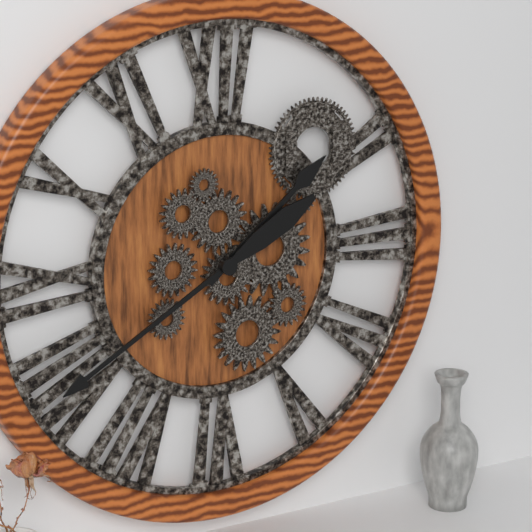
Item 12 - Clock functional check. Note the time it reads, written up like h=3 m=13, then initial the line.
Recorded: h=1 m=40
